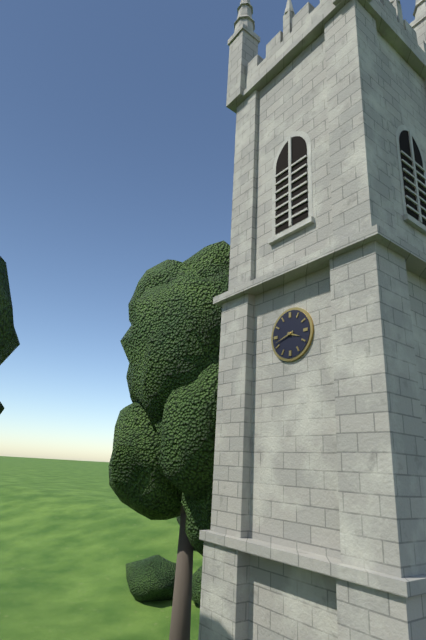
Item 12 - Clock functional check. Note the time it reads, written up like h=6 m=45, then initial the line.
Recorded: h=3 m=42
